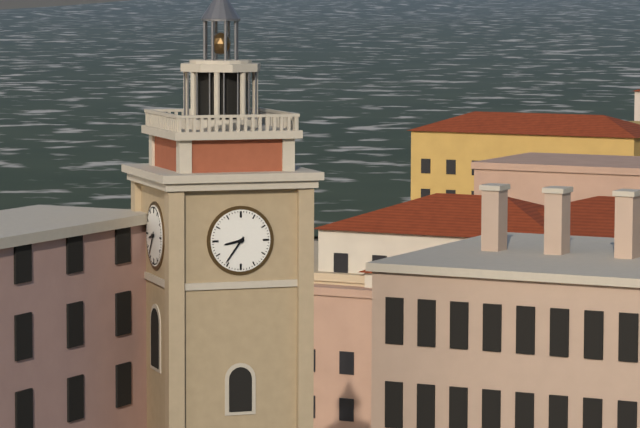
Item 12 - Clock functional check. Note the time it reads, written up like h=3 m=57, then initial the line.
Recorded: h=8 m=36
